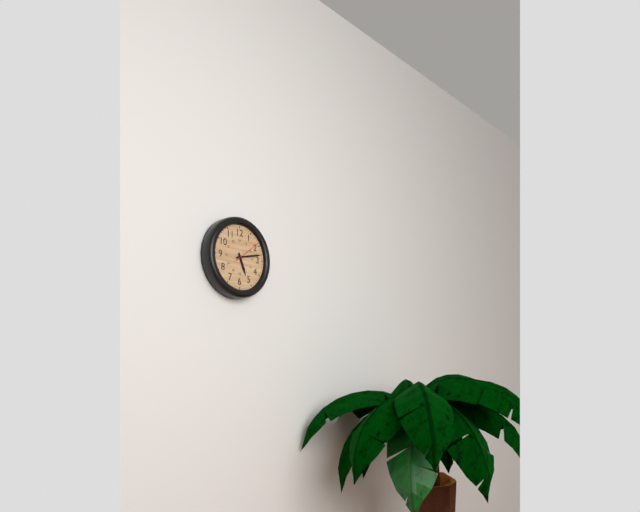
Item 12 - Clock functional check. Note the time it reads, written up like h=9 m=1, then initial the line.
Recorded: h=5 m=13
